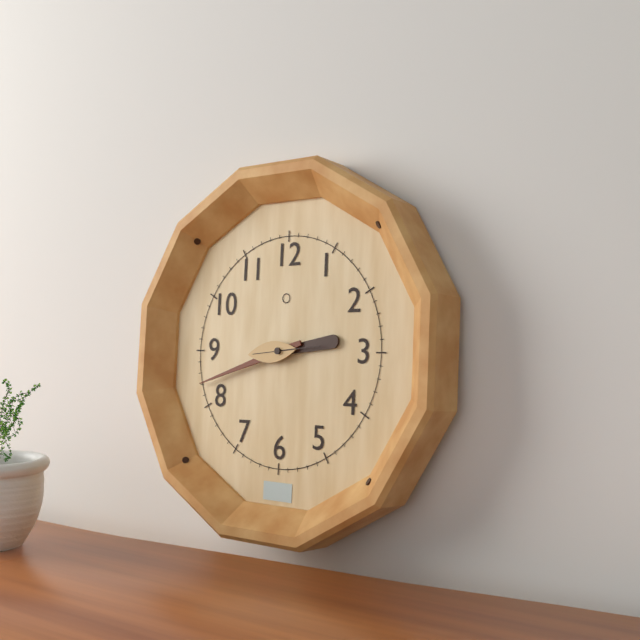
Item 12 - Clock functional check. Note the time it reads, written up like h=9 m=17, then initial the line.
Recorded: h=2 m=42
